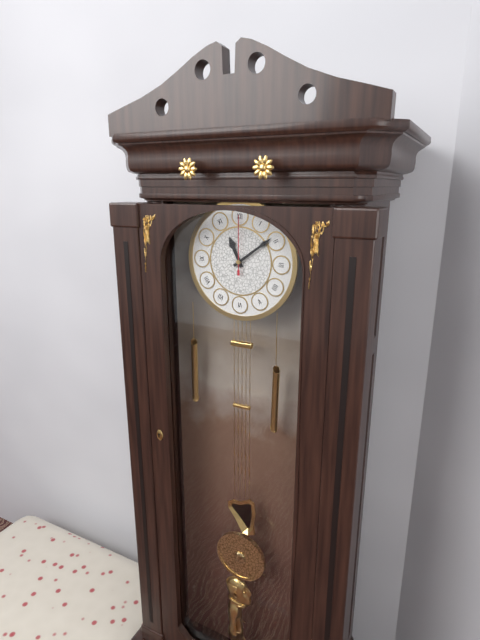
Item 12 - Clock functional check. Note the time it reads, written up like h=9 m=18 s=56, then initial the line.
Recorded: h=11 m=9 s=0
